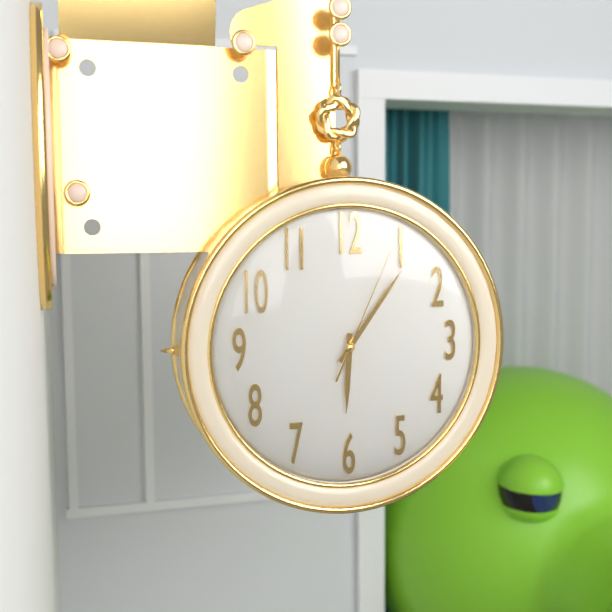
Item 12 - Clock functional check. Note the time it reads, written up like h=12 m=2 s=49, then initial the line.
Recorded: h=6 m=6 s=4
